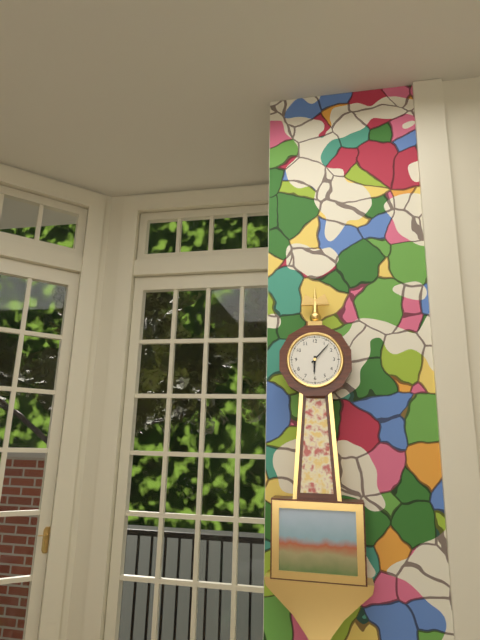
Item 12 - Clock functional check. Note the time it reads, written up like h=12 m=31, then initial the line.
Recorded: h=6 m=7
